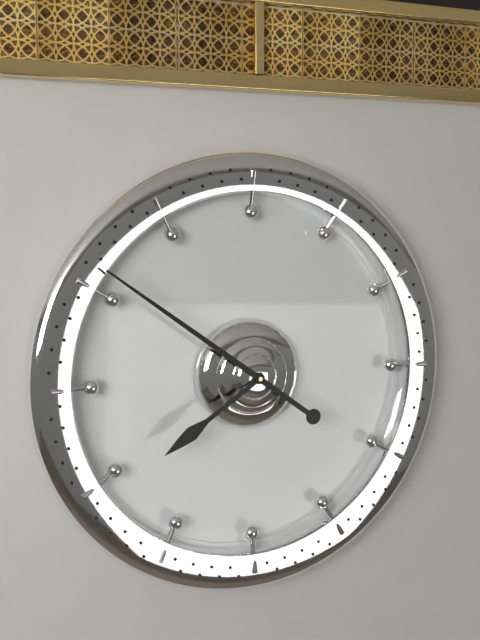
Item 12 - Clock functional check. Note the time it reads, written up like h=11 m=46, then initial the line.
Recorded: h=7 m=51
